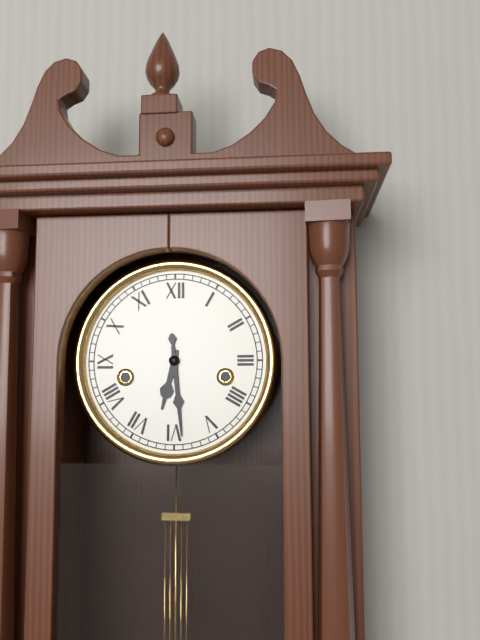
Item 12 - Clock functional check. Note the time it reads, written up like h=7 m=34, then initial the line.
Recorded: h=6 m=29
